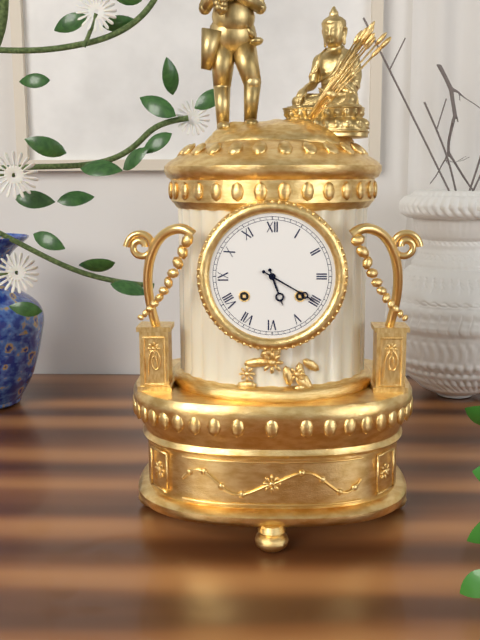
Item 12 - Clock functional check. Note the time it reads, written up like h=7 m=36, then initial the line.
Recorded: h=5 m=20
